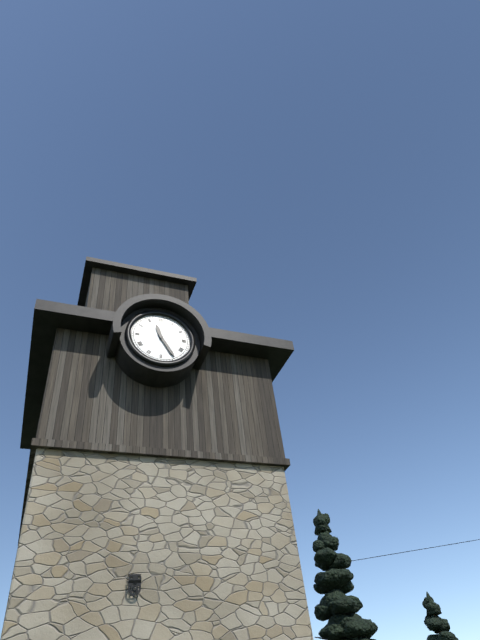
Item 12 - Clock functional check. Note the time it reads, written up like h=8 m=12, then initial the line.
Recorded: h=11 m=25
